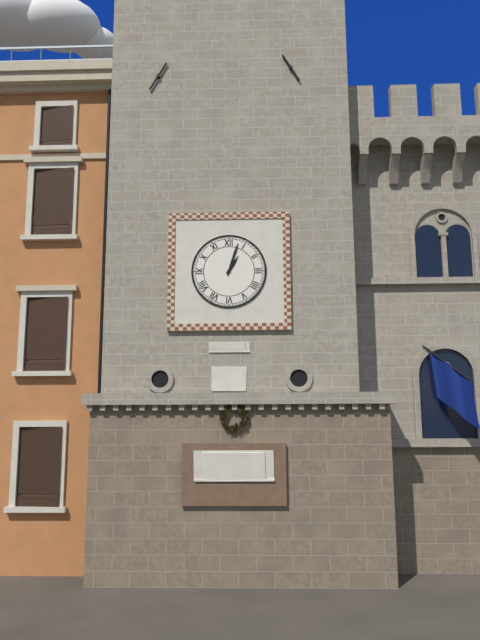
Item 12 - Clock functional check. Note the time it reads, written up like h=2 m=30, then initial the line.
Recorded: h=1 m=3
